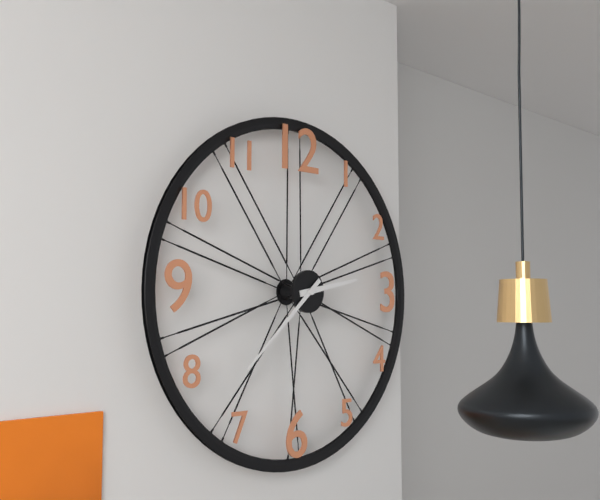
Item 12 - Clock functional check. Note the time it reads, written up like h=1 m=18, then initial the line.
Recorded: h=2 m=38
